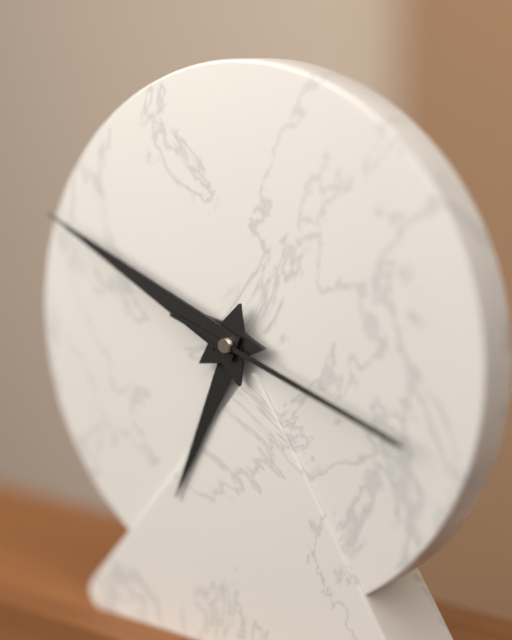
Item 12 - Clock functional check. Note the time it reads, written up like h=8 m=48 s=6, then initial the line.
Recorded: h=6 m=49 s=18
